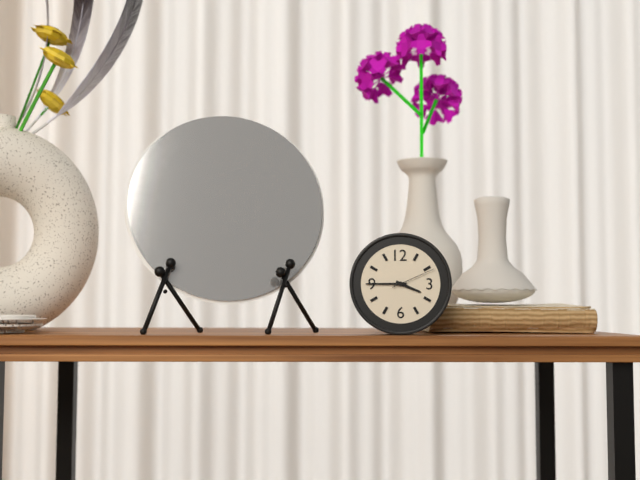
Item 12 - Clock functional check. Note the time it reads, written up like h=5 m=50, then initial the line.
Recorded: h=3 m=45
